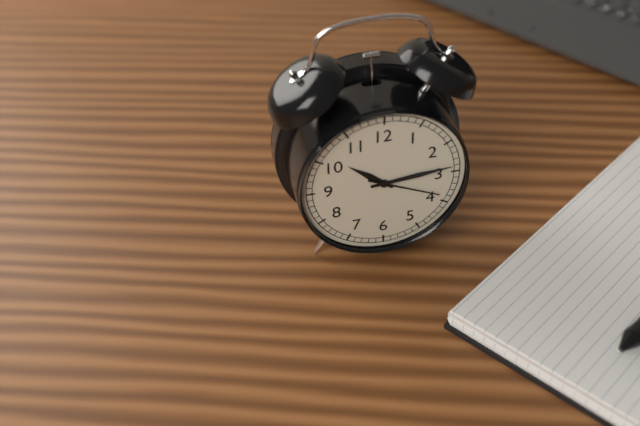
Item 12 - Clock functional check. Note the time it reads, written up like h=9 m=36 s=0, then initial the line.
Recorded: h=10 m=14 s=19
